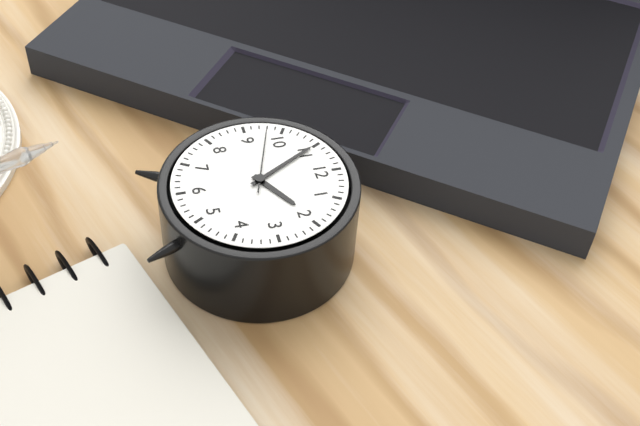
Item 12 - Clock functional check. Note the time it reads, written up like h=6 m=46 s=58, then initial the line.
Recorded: h=1 m=55 s=48
